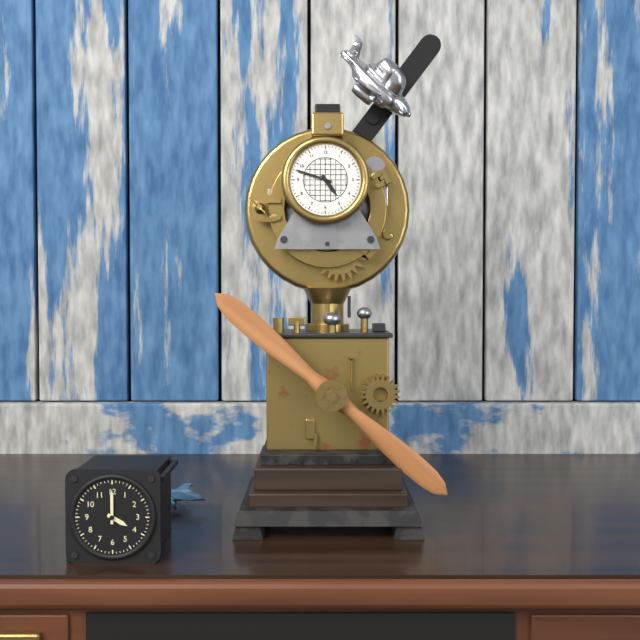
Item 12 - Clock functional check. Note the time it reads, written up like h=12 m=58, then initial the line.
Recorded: h=4 m=48
